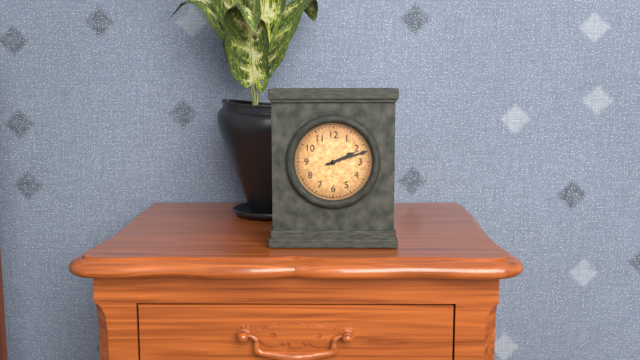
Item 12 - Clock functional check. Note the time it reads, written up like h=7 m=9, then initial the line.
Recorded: h=2 m=12
